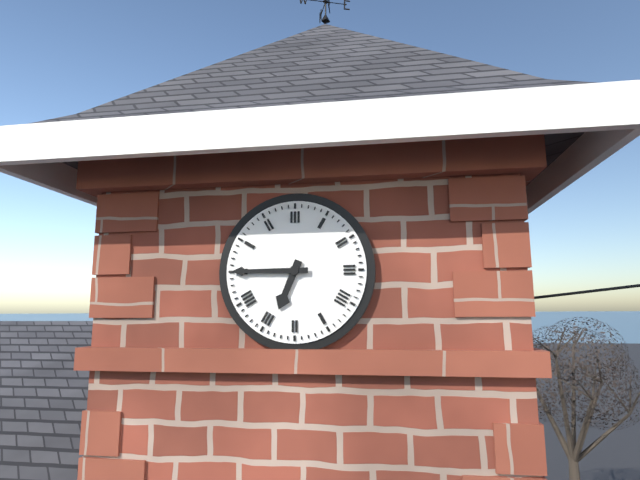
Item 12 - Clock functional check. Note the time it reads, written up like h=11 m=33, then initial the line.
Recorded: h=6 m=45
